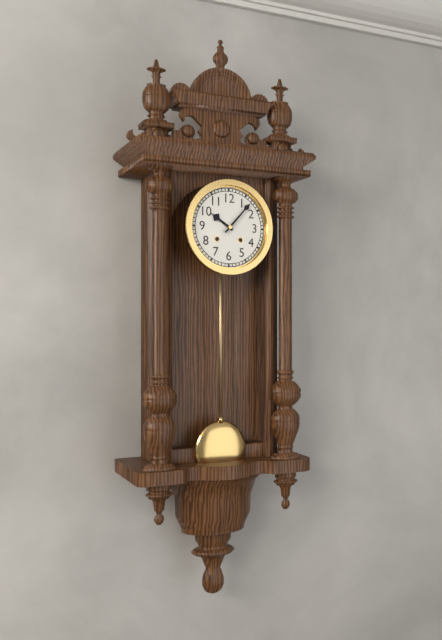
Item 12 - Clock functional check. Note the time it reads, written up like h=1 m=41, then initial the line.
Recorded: h=10 m=7
